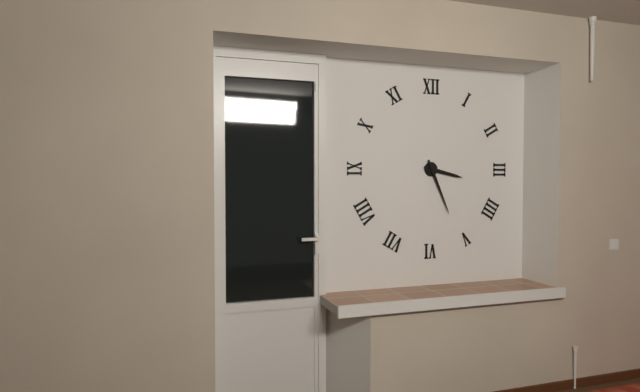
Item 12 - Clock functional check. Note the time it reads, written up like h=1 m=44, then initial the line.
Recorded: h=3 m=26
